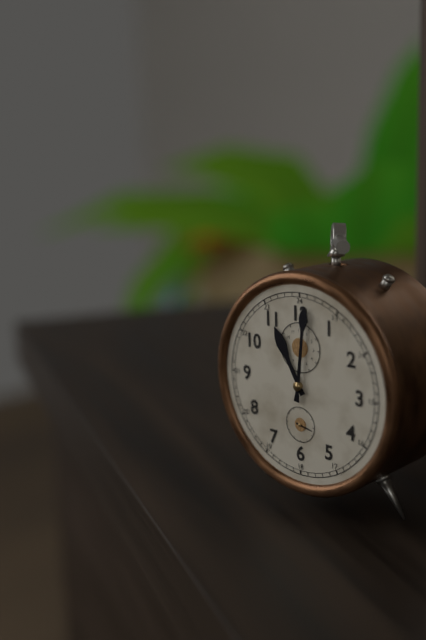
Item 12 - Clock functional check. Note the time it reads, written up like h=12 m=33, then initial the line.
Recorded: h=11 m=1
